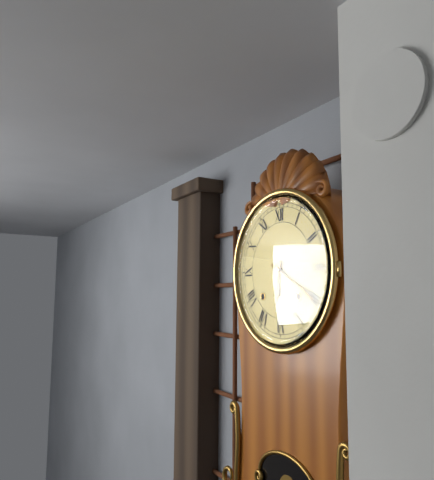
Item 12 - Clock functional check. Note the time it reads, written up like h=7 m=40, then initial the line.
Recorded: h=6 m=20
